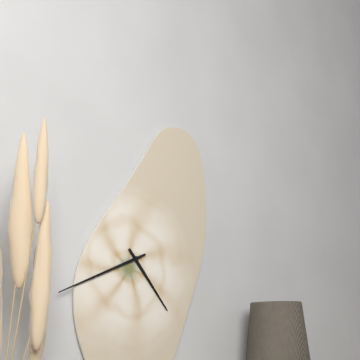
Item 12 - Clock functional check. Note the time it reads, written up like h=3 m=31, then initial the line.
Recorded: h=4 m=41
